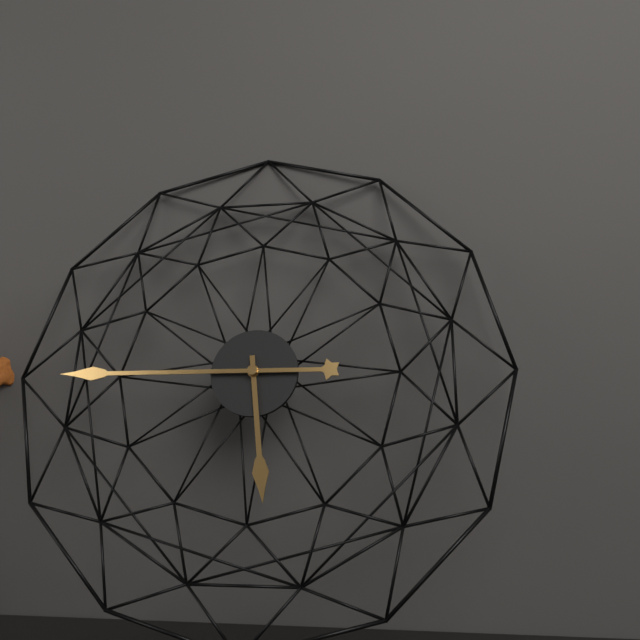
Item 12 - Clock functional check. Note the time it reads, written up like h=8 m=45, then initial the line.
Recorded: h=5 m=45
